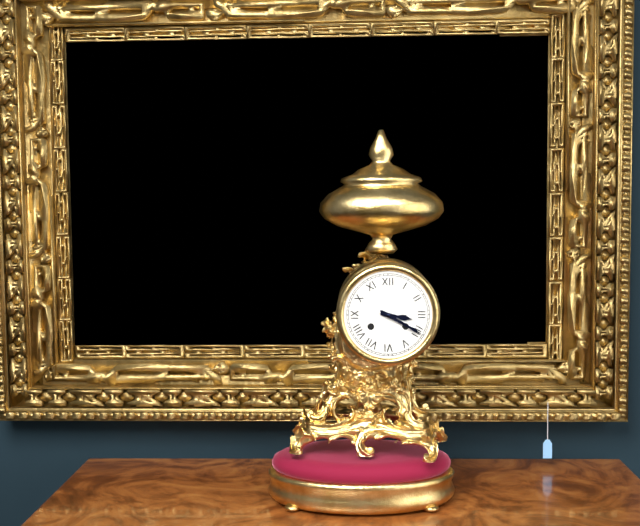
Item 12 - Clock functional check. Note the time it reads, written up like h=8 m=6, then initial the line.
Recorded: h=3 m=20
